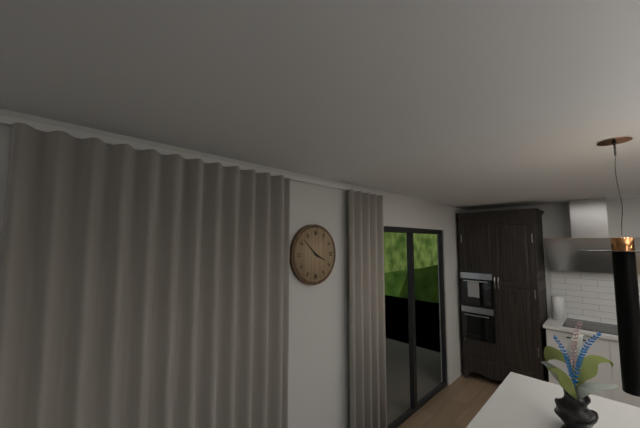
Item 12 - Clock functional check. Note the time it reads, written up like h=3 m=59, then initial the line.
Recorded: h=3 m=52
